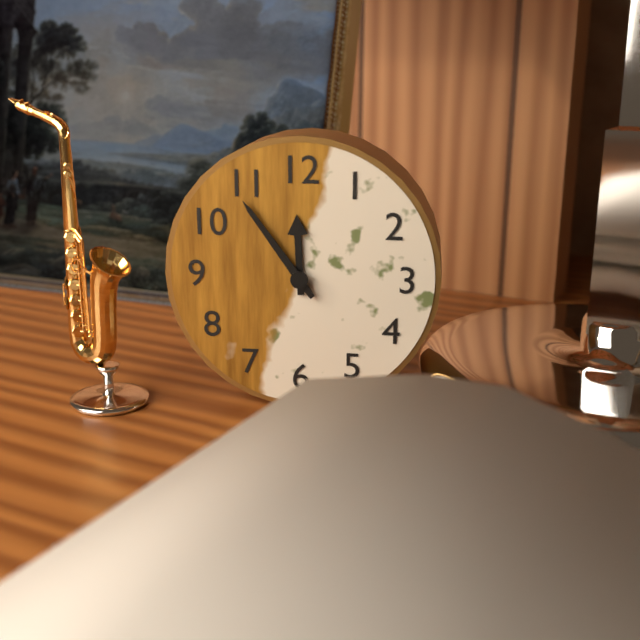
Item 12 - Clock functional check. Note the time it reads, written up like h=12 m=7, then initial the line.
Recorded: h=11 m=54
